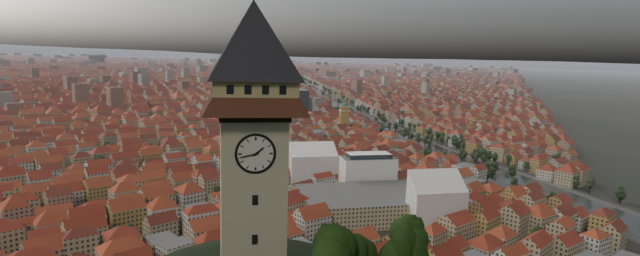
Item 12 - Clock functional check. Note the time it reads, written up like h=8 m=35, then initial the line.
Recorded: h=1 m=43
